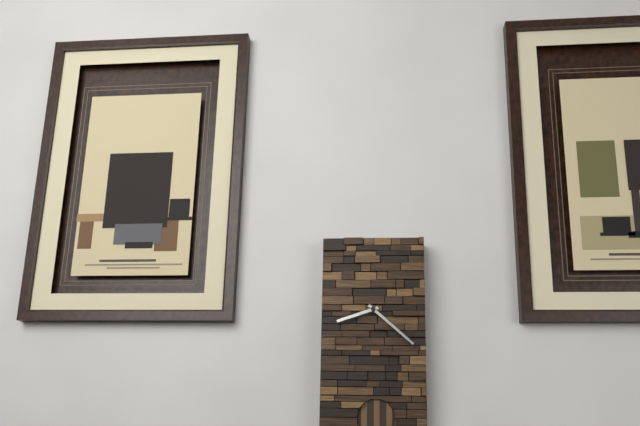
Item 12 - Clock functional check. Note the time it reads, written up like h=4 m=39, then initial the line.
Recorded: h=8 m=22
